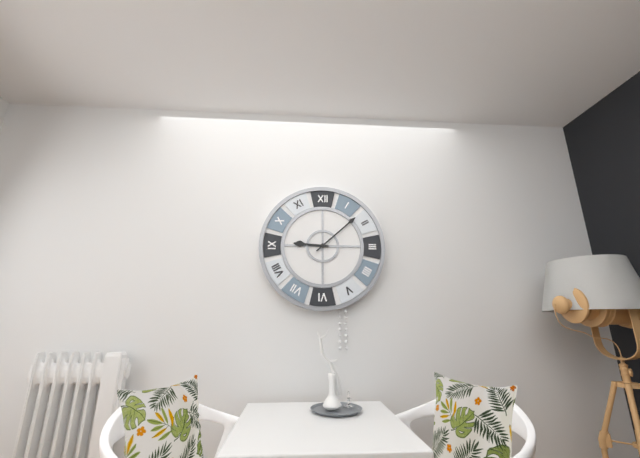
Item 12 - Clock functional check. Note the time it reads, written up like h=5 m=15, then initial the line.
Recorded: h=9 m=8
